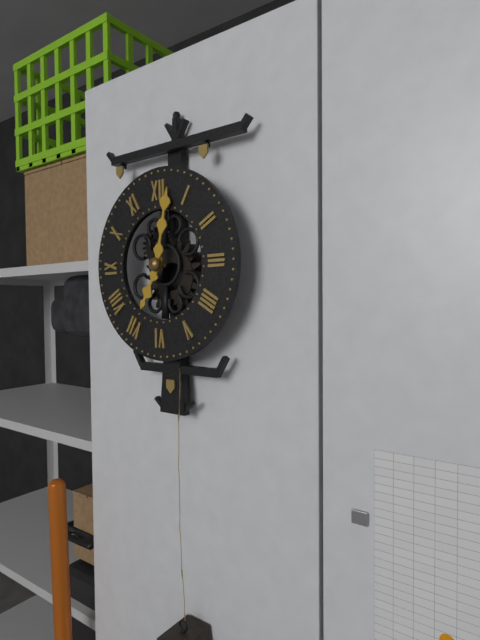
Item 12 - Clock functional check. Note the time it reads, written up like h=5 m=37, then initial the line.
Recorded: h=7 m=2
